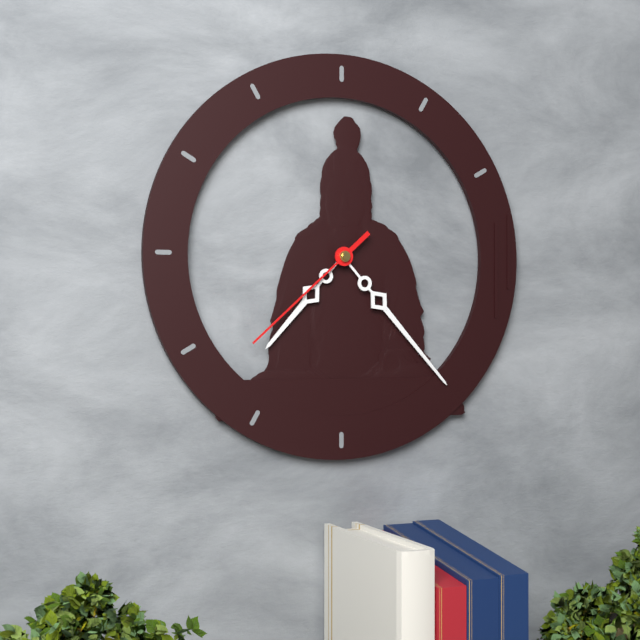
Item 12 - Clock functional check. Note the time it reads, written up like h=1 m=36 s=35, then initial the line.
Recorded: h=7 m=23 s=38
